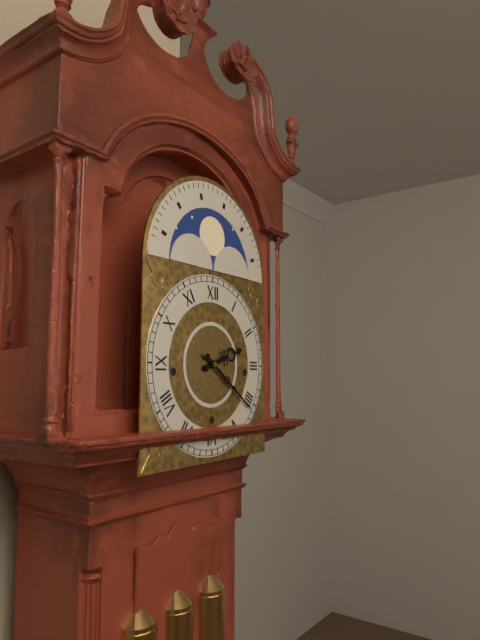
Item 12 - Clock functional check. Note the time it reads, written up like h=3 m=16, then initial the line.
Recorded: h=2 m=21
